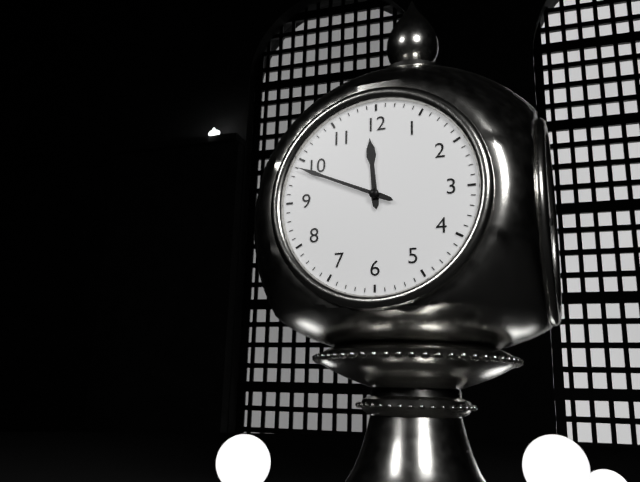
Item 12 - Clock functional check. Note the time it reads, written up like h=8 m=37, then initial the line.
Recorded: h=11 m=49
